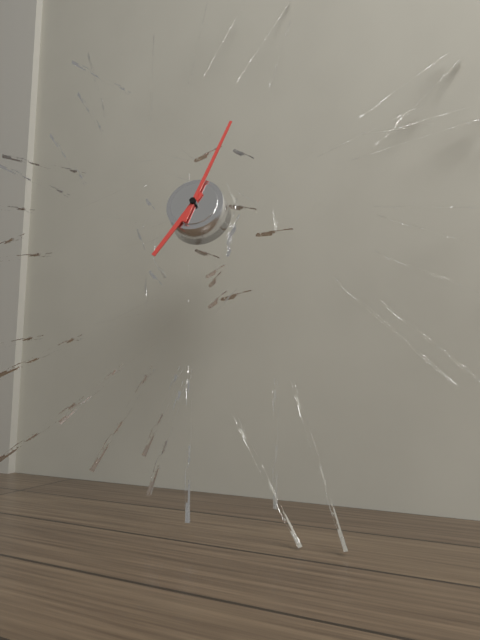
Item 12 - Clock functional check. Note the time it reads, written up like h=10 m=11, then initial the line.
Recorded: h=7 m=3
